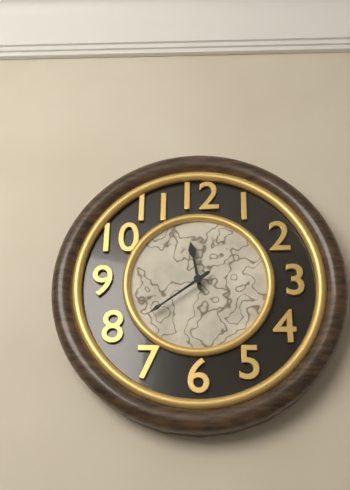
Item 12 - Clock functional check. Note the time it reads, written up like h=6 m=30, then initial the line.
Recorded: h=11 m=39
